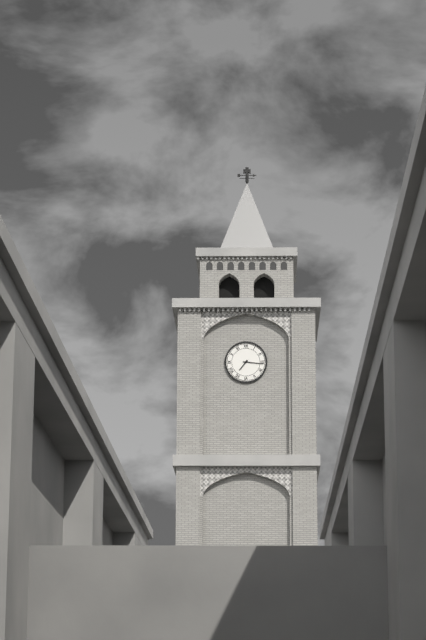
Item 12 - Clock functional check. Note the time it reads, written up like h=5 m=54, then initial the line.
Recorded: h=7 m=16
